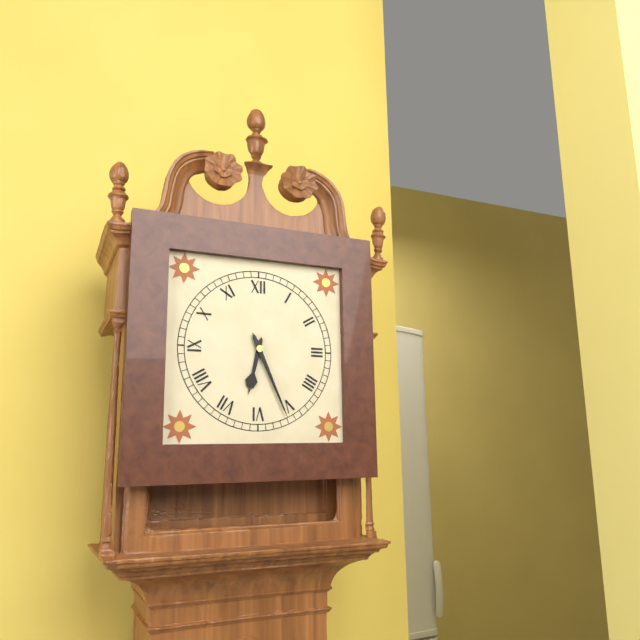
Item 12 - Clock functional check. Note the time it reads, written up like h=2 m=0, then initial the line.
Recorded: h=6 m=26
